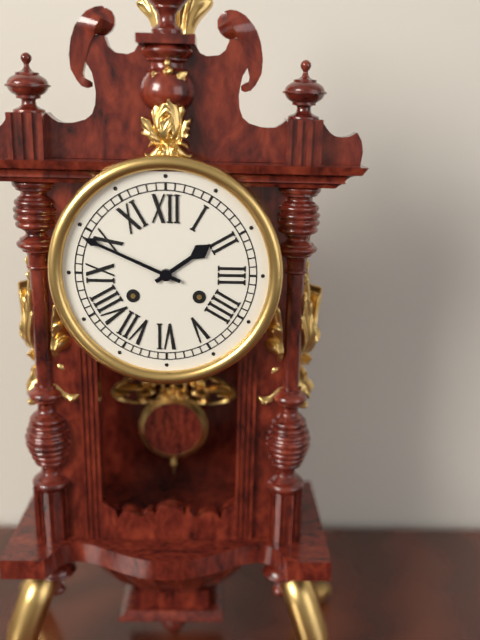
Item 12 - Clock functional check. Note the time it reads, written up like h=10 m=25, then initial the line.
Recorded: h=1 m=49
